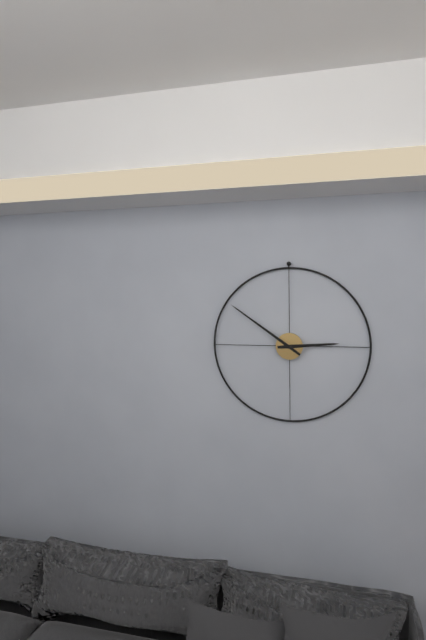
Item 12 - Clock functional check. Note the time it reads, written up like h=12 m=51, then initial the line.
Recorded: h=2 m=51
